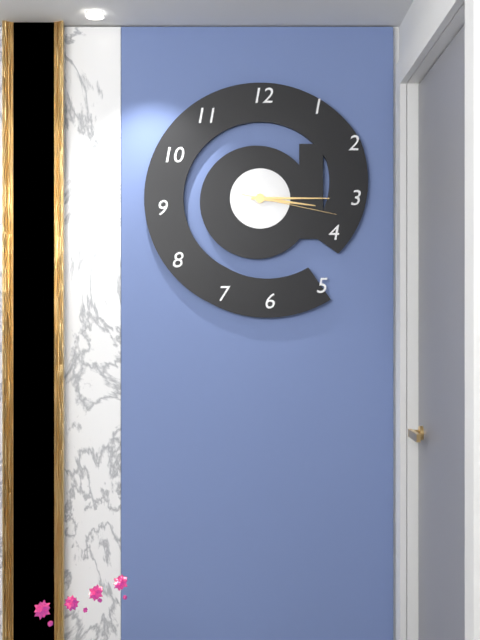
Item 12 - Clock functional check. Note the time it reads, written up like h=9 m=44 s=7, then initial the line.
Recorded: h=3 m=15 s=17
